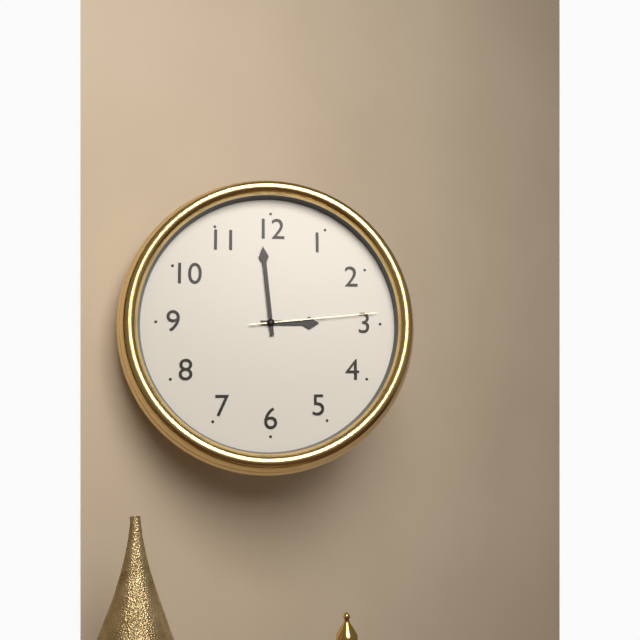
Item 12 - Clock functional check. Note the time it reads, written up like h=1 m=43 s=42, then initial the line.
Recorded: h=2 m=59 s=14
